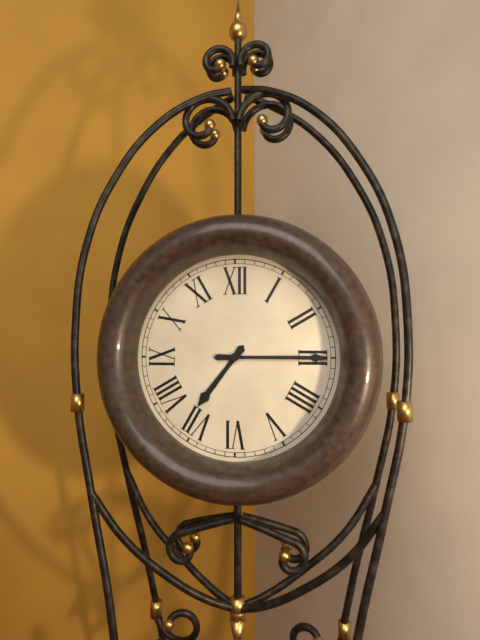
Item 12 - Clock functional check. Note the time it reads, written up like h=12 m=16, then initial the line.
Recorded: h=7 m=15
